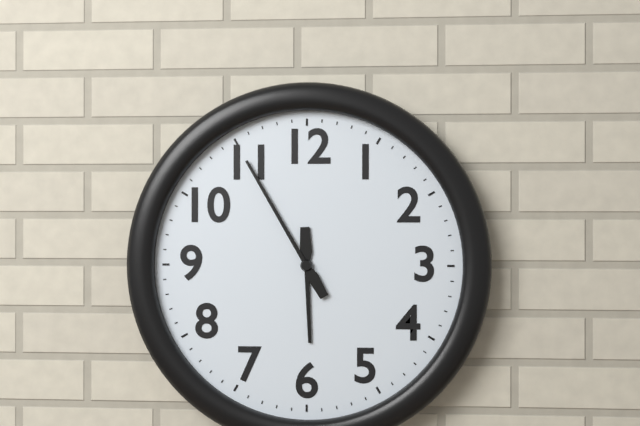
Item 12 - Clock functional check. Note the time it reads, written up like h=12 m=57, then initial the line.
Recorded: h=5 m=55
